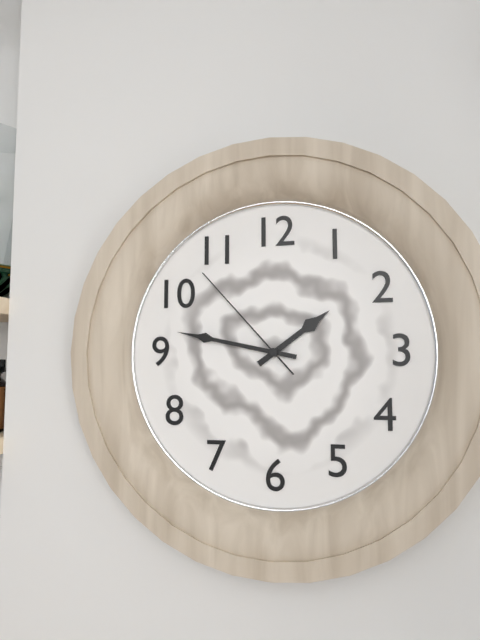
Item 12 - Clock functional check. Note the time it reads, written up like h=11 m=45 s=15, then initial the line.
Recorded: h=1 m=47 s=53
